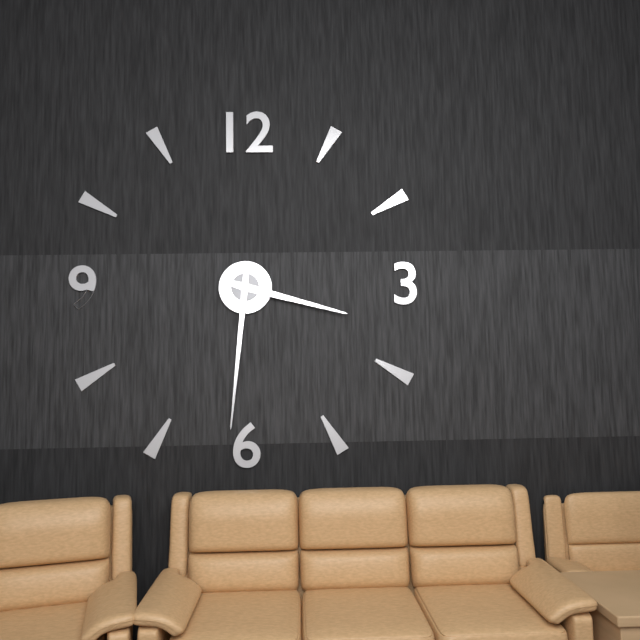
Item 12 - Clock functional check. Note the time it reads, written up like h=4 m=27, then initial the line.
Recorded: h=3 m=31
